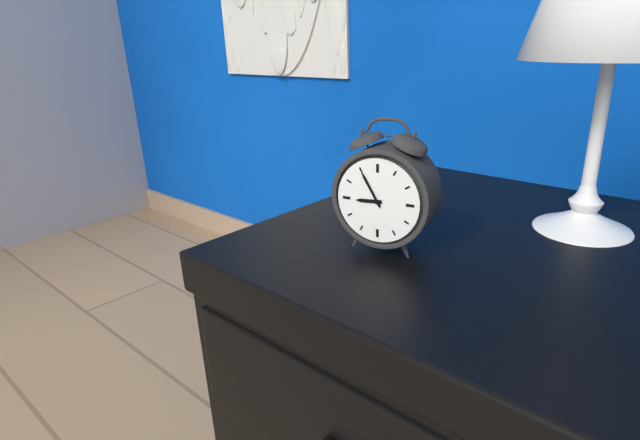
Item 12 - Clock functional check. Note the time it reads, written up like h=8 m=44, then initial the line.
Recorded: h=8 m=55
